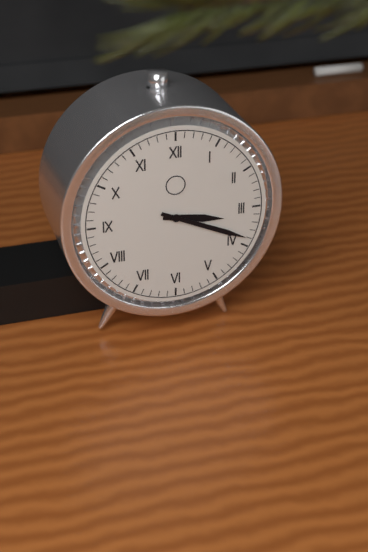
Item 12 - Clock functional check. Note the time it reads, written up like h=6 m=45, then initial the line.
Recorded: h=3 m=19
